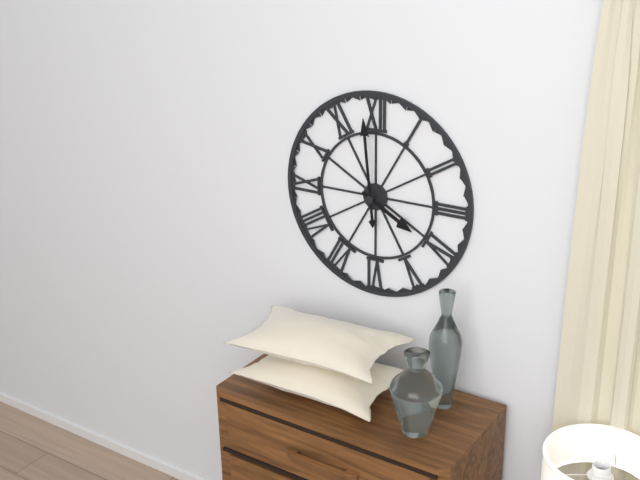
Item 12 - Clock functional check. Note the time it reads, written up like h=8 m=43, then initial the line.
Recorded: h=3 m=59
